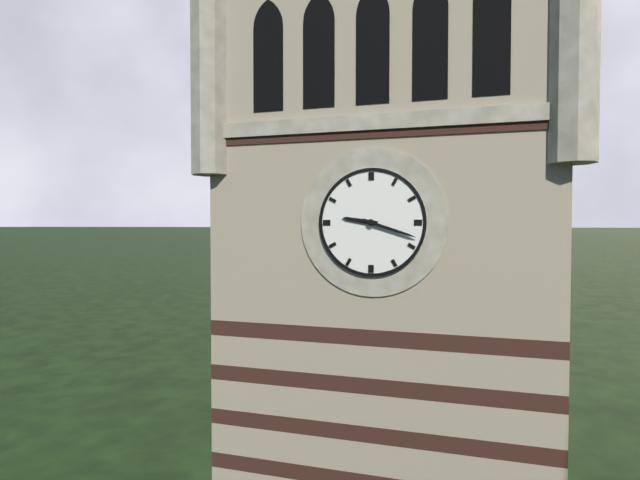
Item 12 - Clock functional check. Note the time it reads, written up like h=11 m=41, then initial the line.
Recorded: h=9 m=18
